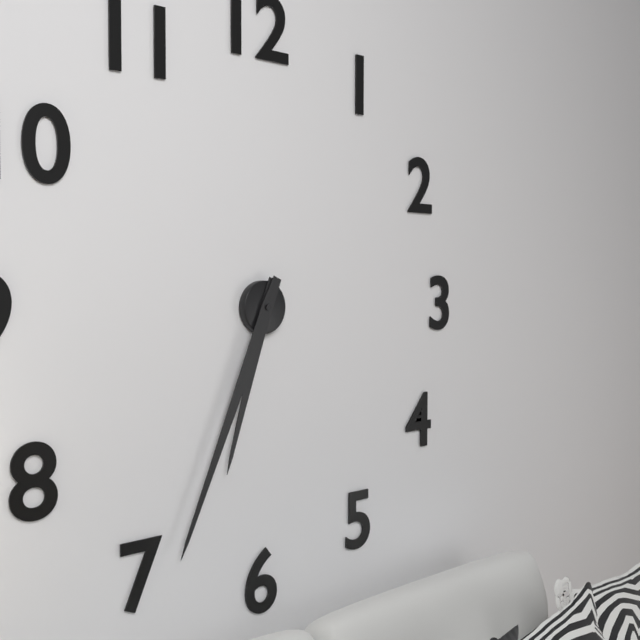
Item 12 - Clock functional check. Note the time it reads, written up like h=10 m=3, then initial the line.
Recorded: h=6 m=34
